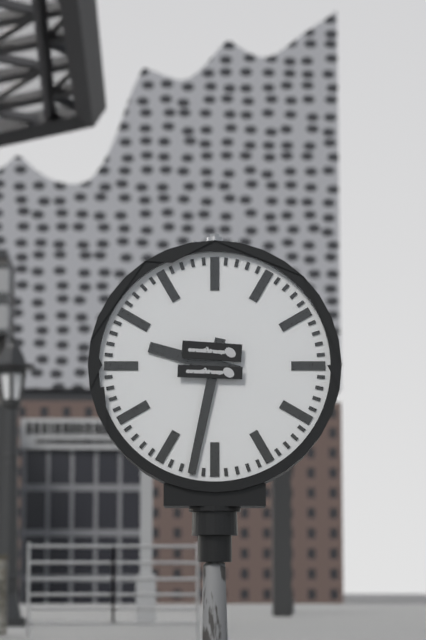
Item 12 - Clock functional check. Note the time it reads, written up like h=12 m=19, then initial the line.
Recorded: h=9 m=32
